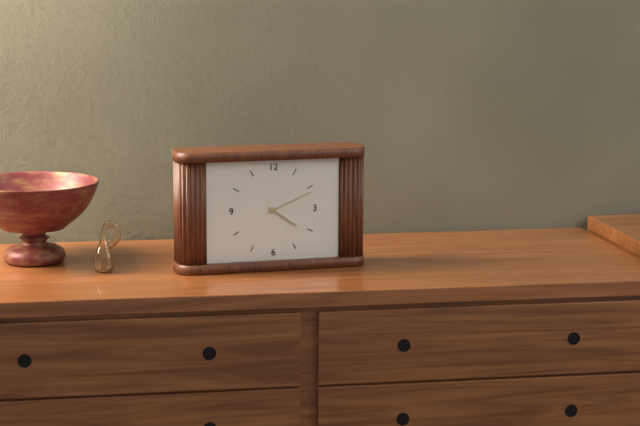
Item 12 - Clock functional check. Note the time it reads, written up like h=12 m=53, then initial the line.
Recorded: h=4 m=11
